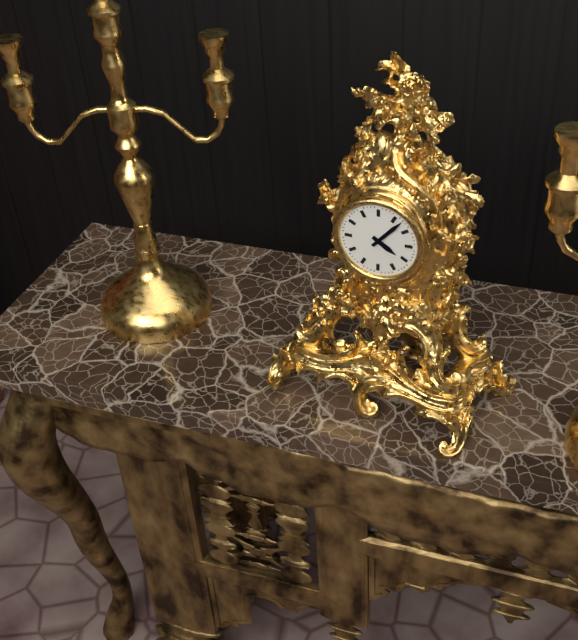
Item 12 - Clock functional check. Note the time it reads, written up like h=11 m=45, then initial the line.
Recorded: h=4 m=7
